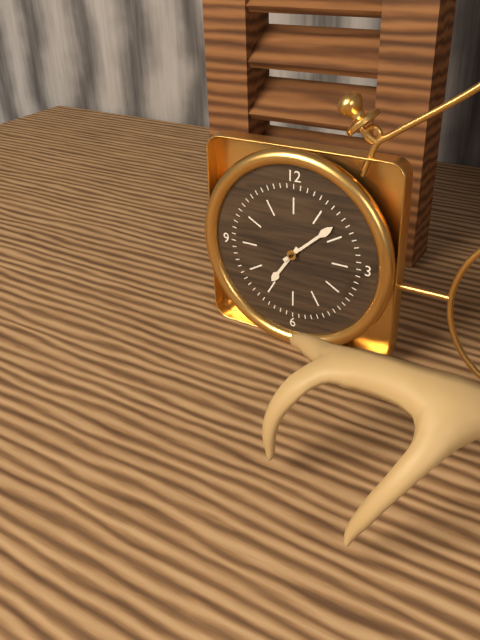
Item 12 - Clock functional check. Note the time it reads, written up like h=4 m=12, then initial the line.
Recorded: h=7 m=8
